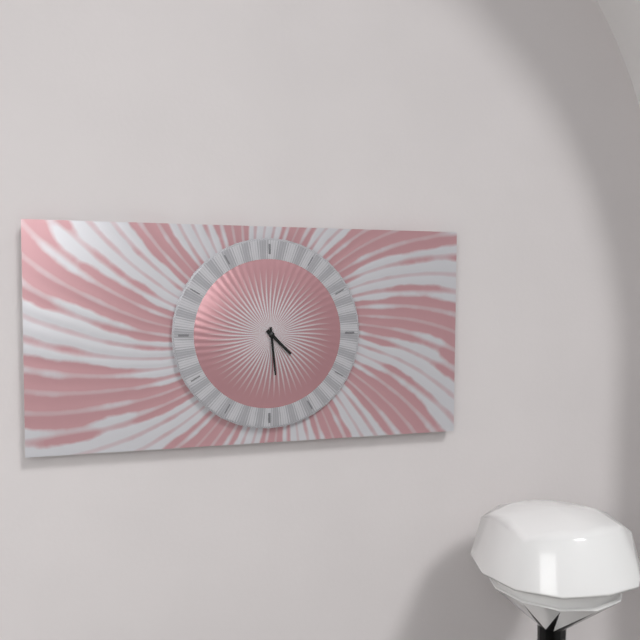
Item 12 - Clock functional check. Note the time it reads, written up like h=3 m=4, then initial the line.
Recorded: h=4 m=29
